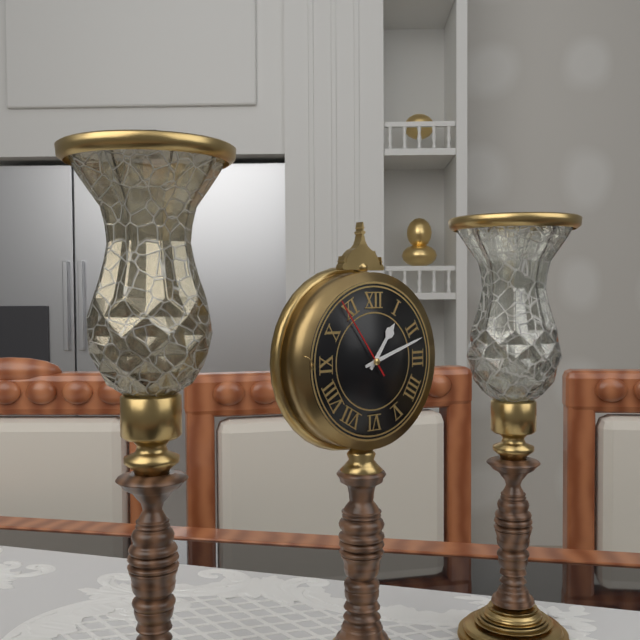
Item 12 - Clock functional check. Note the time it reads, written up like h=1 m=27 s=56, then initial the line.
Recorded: h=1 m=12 s=54
